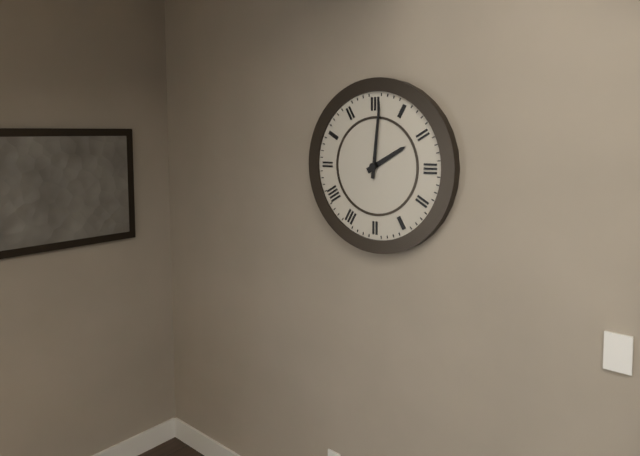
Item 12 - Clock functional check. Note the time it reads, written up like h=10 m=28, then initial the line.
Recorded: h=2 m=1
